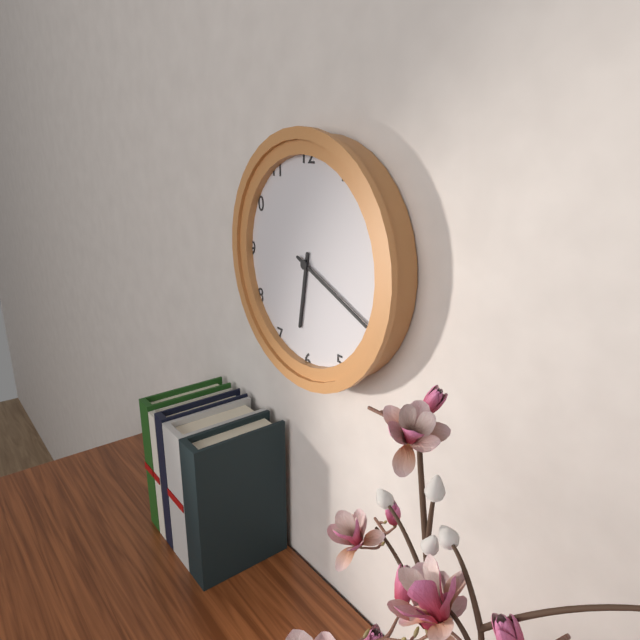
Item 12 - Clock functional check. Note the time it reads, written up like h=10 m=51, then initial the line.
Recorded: h=6 m=19
